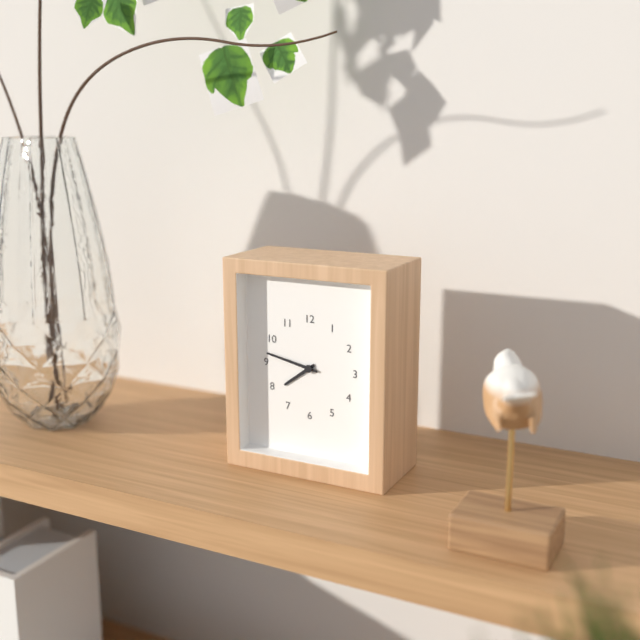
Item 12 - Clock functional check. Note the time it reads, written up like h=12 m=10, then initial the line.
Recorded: h=7 m=47
